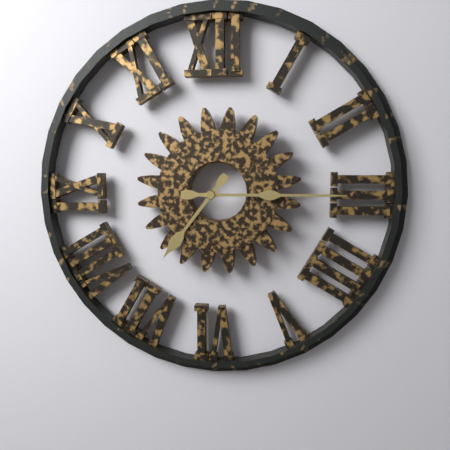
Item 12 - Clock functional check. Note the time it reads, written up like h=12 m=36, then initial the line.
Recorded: h=7 m=15
